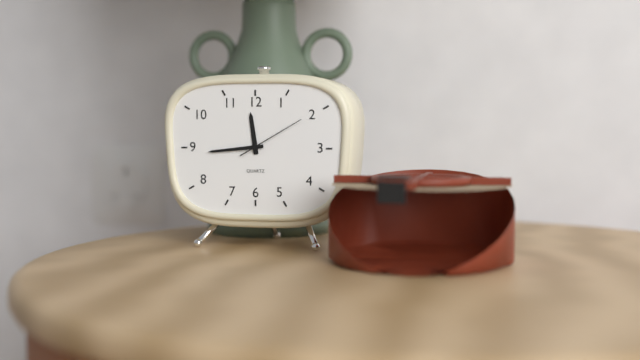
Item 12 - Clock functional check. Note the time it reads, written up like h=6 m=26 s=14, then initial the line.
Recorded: h=11 m=44 s=10
